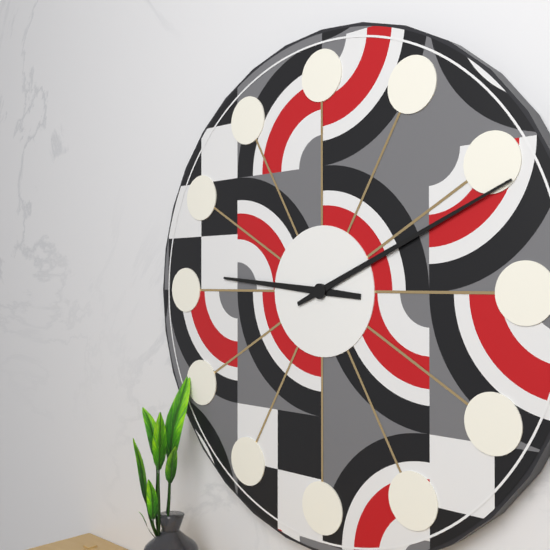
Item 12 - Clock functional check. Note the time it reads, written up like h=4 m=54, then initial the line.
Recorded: h=9 m=11
